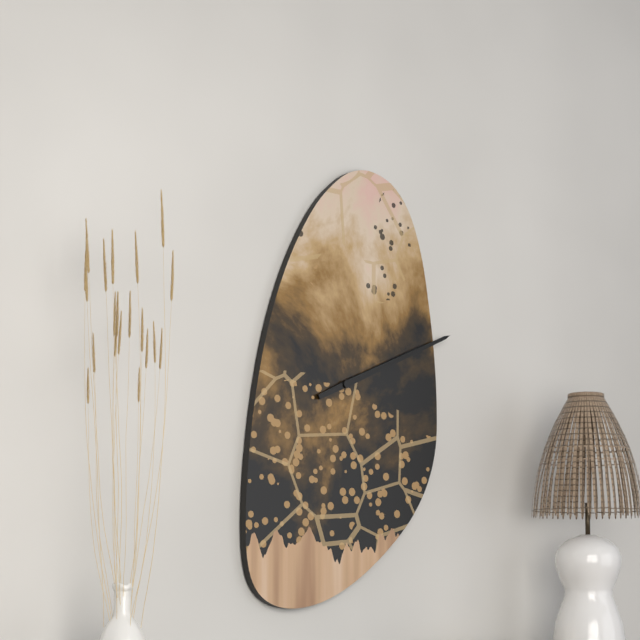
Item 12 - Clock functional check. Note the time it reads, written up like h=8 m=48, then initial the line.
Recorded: h=2 m=11
